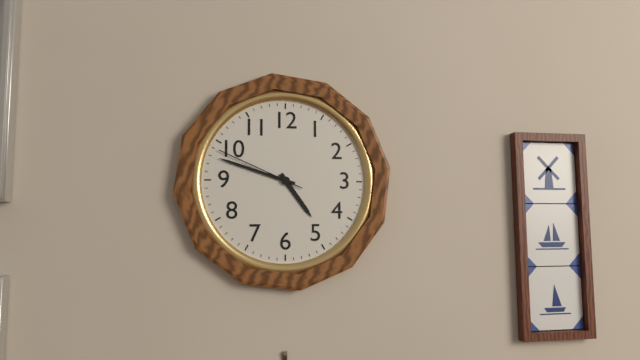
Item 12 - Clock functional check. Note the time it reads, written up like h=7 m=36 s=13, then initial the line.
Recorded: h=4 m=48 s=49
